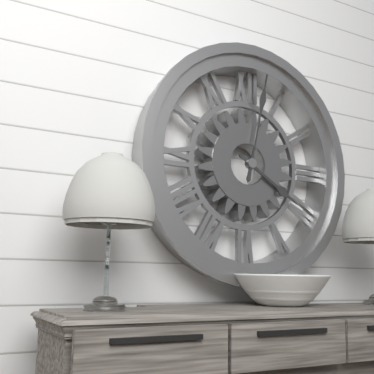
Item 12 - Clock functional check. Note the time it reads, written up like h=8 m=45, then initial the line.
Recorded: h=4 m=2
